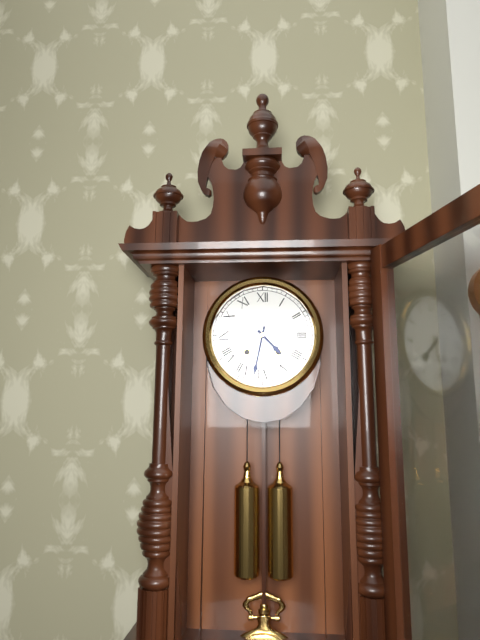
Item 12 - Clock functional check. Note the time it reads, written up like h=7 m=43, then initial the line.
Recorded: h=4 m=32
